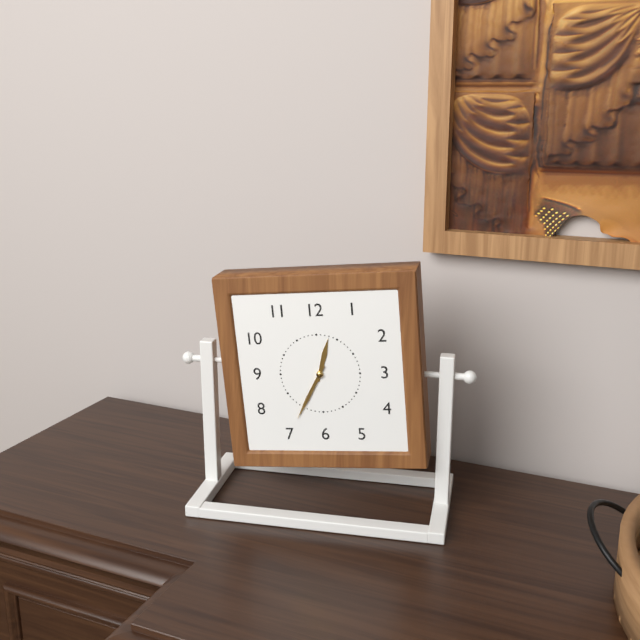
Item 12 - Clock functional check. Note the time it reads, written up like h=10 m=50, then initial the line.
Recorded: h=12 m=35
